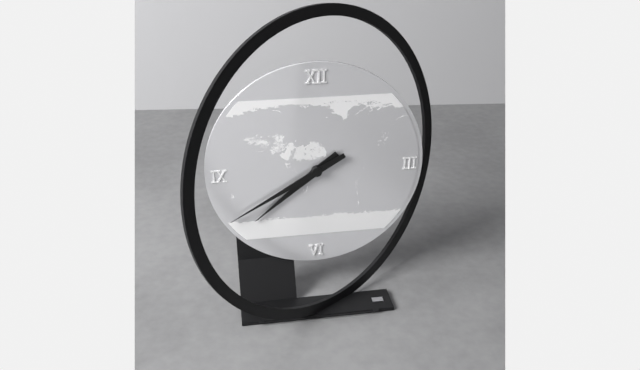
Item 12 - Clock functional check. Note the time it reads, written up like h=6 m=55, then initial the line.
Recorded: h=7 m=40
